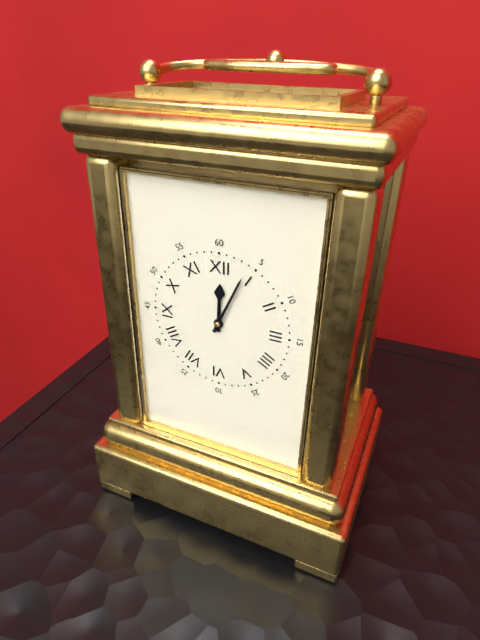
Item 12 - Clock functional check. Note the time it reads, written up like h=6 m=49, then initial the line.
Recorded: h=12 m=4
